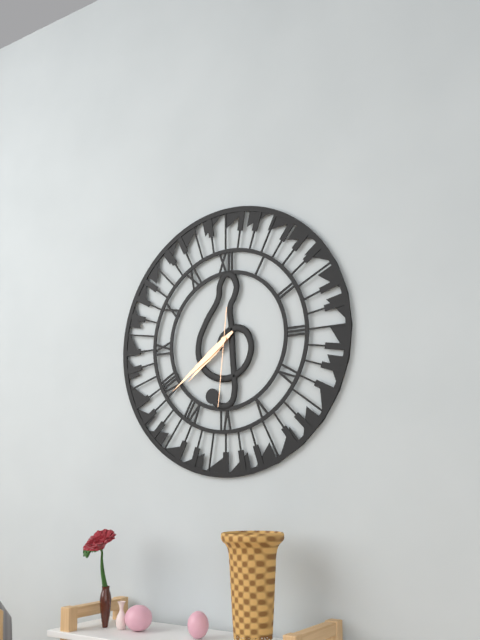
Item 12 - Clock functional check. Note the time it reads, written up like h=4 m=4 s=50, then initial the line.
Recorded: h=7 m=39 s=31
